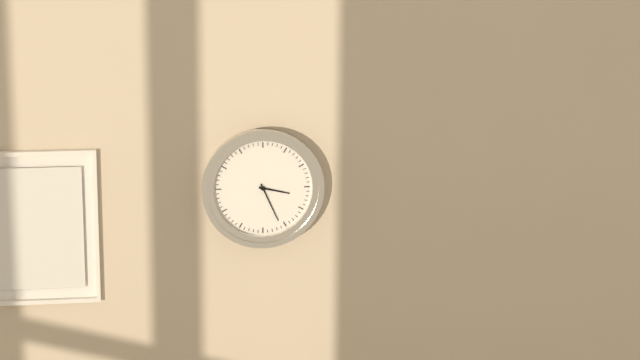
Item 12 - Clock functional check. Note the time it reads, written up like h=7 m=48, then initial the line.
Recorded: h=3 m=26
